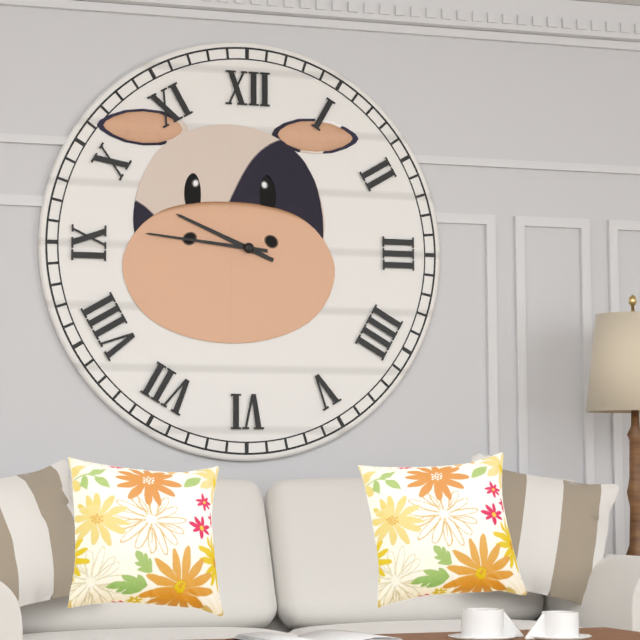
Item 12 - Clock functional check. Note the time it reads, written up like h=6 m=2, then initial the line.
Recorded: h=9 m=46
